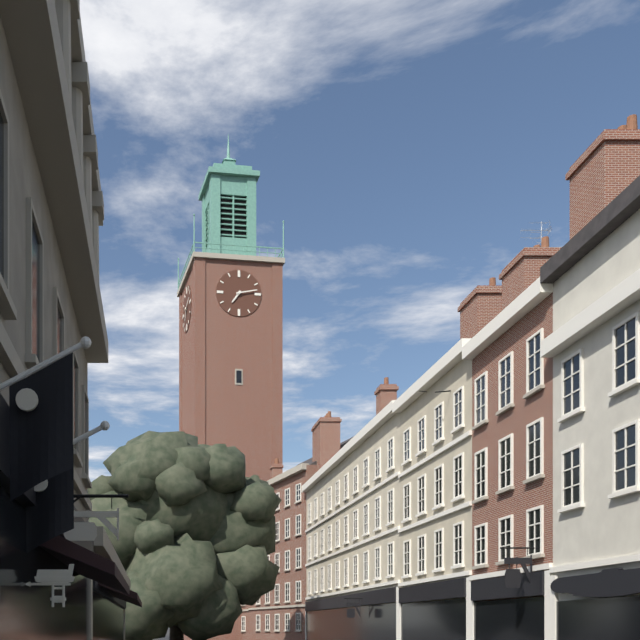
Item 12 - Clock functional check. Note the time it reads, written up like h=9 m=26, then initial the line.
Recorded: h=7 m=13
